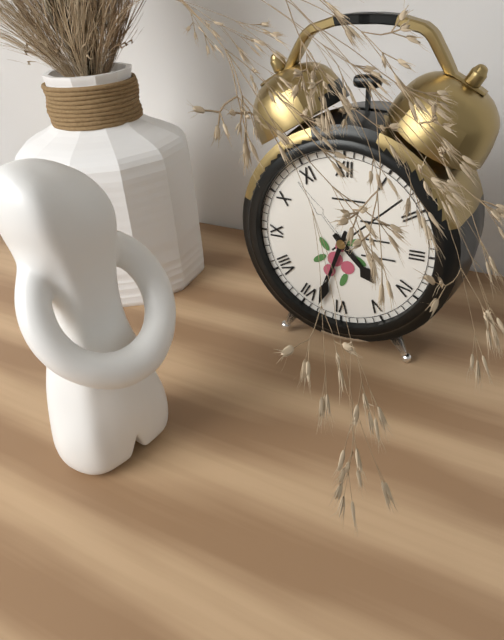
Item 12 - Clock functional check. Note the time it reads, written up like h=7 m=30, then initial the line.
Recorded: h=4 m=33
